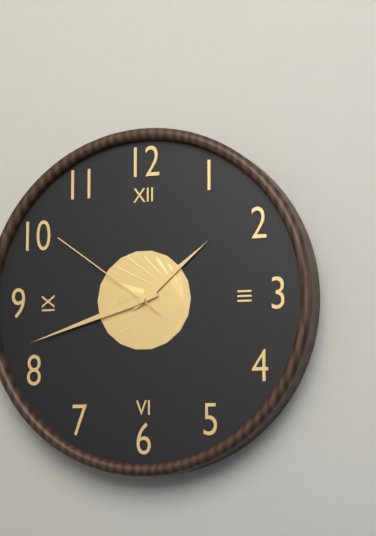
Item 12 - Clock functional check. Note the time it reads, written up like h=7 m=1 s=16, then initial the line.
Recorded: h=1 m=42 s=51
